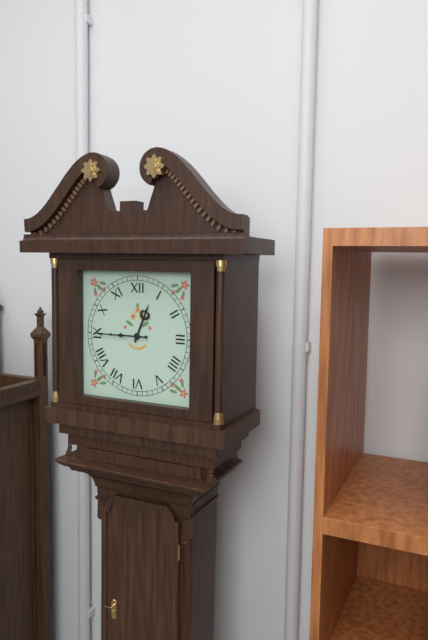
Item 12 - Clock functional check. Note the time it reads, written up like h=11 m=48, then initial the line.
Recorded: h=12 m=45
